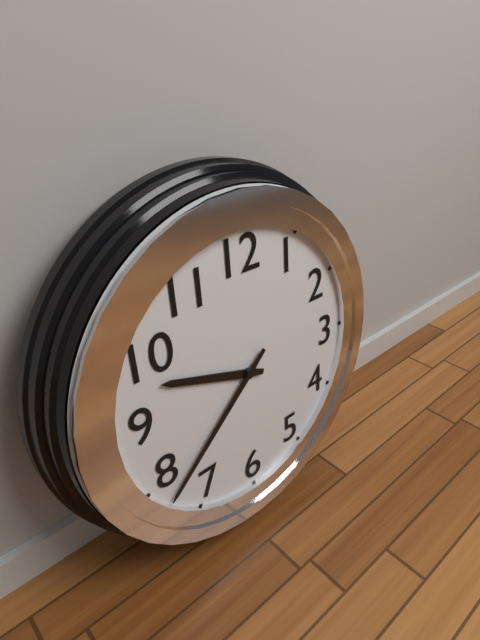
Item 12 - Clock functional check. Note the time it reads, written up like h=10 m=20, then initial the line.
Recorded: h=9 m=38
